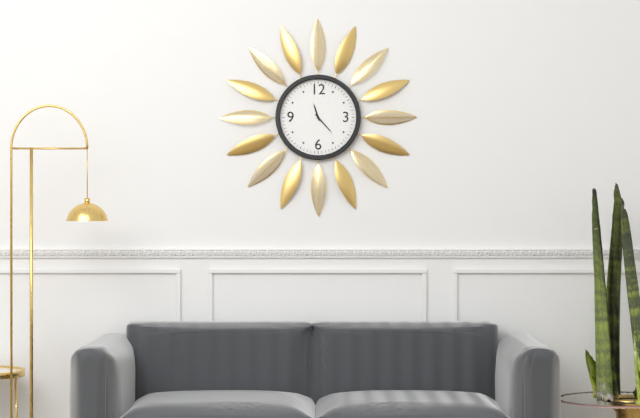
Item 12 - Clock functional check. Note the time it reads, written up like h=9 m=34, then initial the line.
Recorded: h=11 m=23
